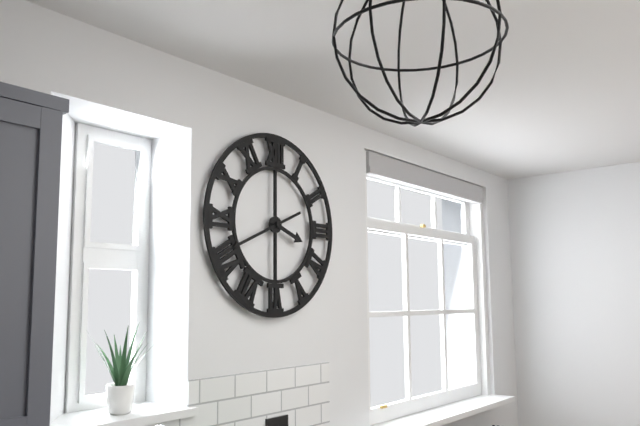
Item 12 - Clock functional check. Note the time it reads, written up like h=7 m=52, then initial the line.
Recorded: h=3 m=41
